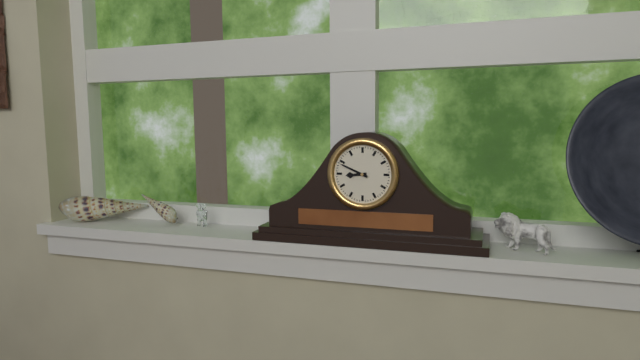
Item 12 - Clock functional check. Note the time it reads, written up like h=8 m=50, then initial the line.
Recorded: h=8 m=49
